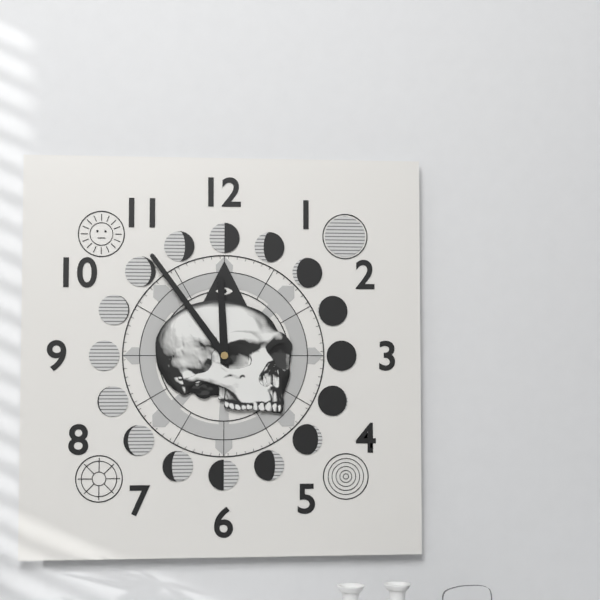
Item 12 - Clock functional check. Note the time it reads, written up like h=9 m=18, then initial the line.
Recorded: h=11 m=54
